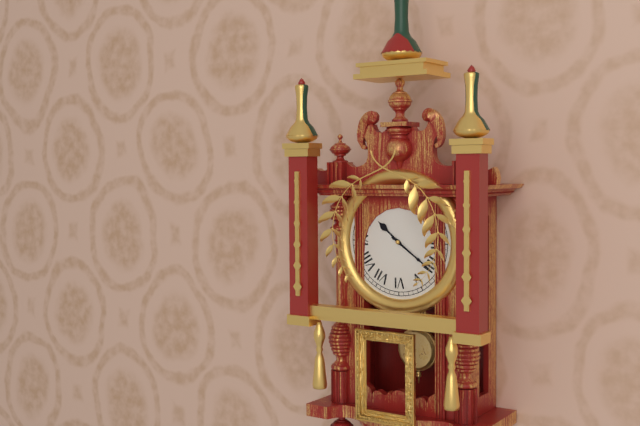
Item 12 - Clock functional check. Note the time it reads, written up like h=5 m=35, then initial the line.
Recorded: h=10 m=21
